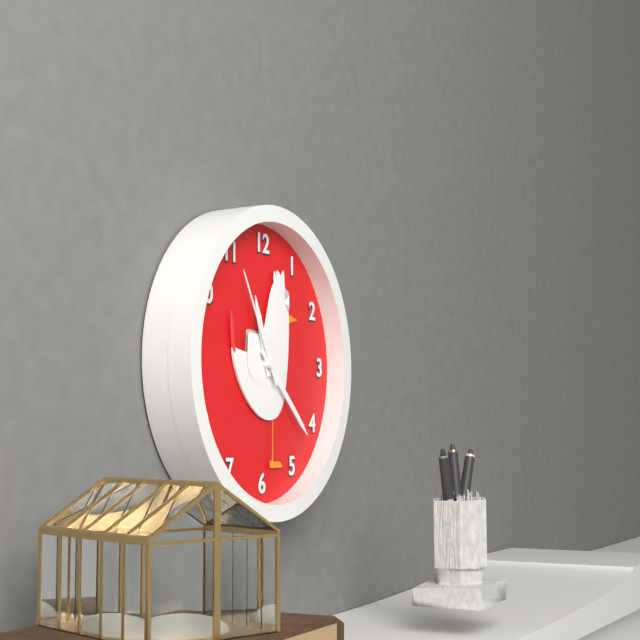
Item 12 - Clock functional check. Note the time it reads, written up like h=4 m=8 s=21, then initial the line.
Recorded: h=11 m=22 s=55
